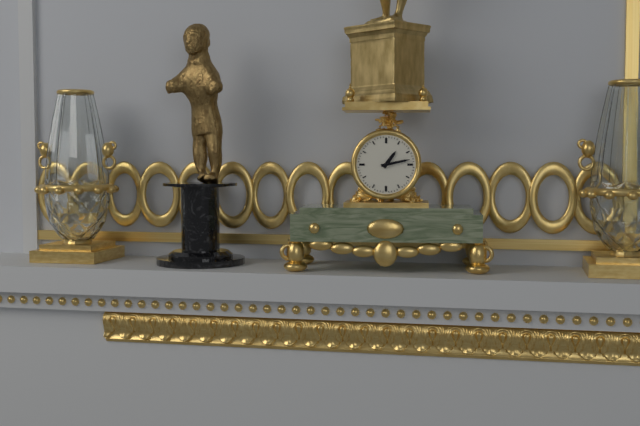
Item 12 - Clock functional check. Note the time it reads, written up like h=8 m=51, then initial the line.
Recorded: h=1 m=13
